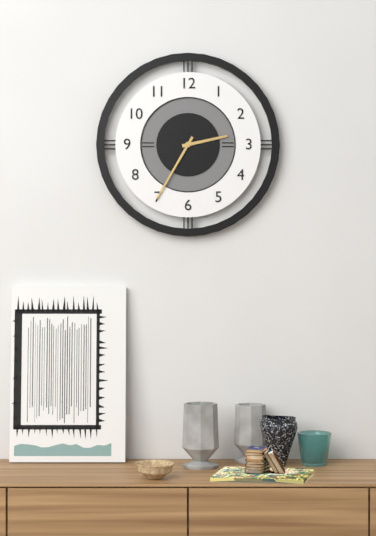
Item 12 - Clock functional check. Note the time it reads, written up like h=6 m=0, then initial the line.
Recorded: h=2 m=35
